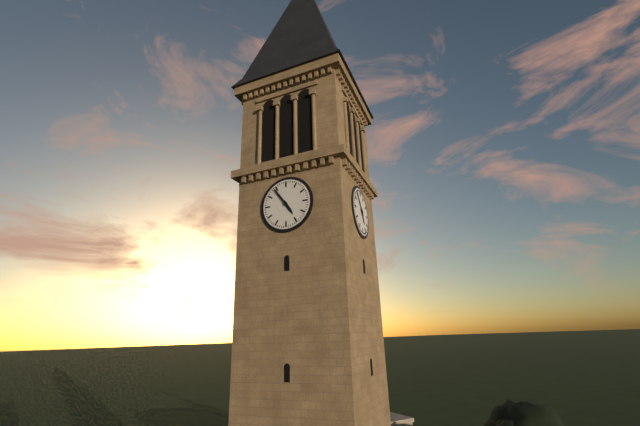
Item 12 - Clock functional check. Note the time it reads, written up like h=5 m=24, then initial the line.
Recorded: h=4 m=54
